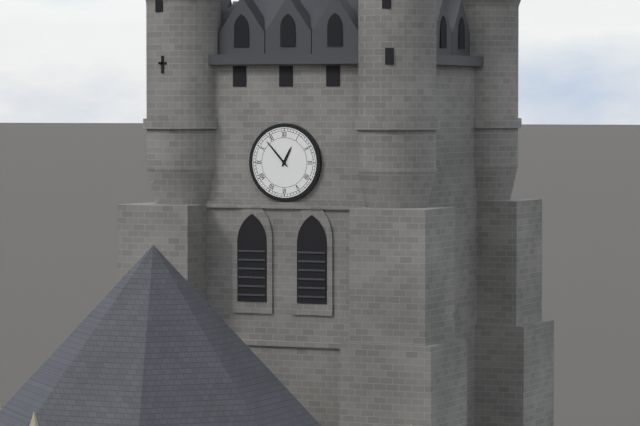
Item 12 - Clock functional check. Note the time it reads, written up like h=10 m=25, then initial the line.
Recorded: h=12 m=53
